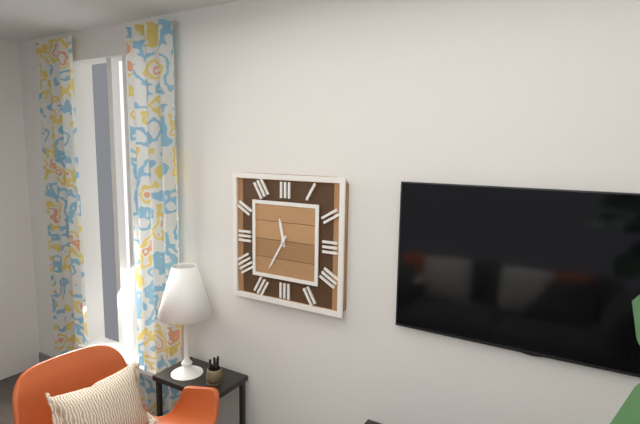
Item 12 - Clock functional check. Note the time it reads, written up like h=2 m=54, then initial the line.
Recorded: h=11 m=35
